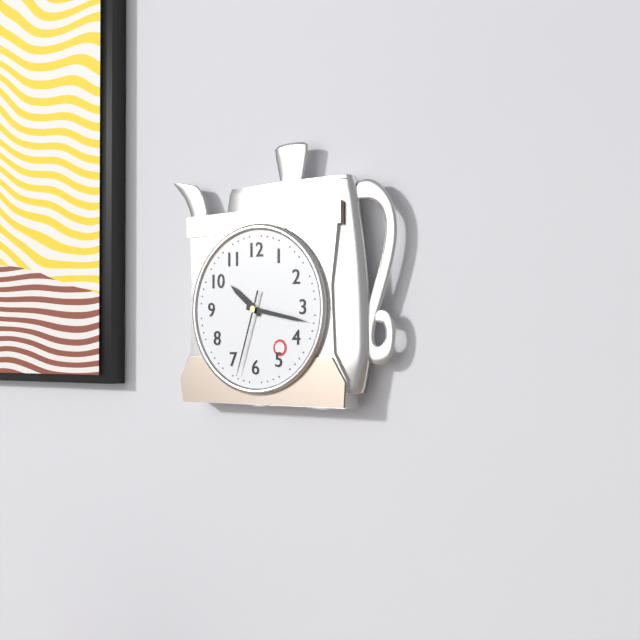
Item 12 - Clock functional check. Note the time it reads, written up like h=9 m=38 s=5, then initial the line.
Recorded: h=10 m=17 s=33
